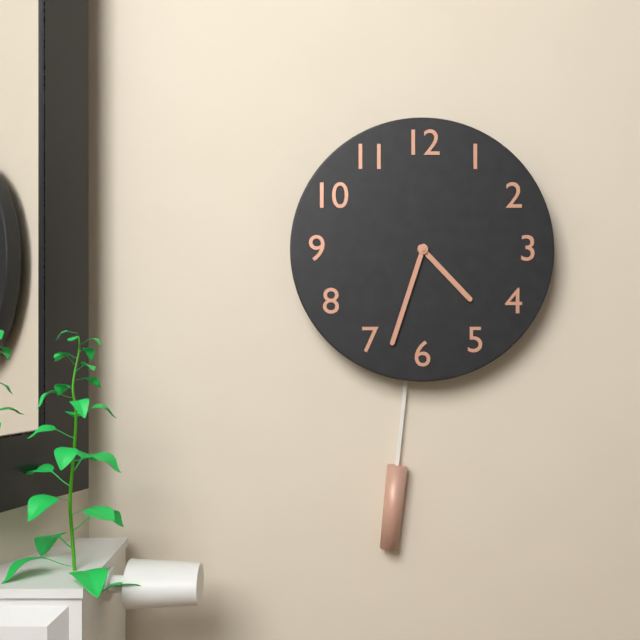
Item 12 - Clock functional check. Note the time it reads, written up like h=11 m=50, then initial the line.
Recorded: h=4 m=33
